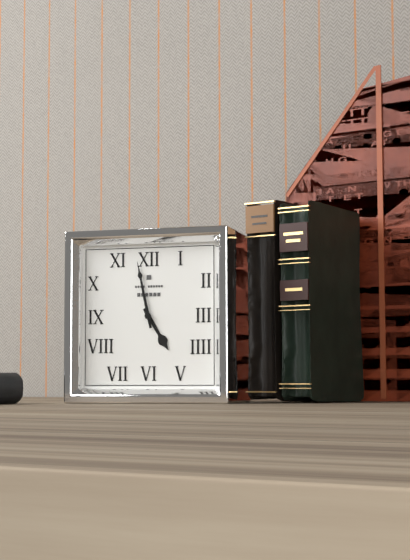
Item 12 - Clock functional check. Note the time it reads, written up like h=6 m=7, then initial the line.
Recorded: h=4 m=58
